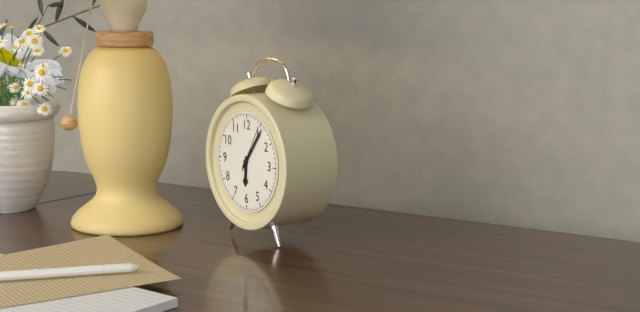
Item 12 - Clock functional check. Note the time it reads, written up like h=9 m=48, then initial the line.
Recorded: h=6 m=6
